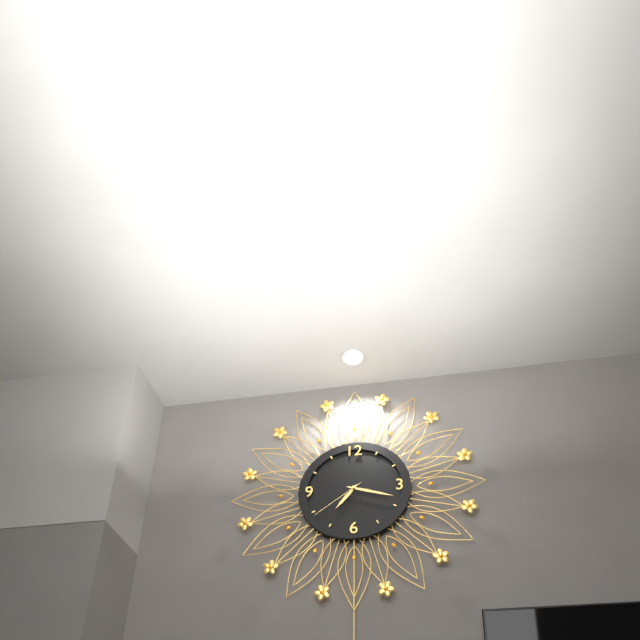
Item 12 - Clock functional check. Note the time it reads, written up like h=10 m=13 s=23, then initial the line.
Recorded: h=7 m=18 s=39
